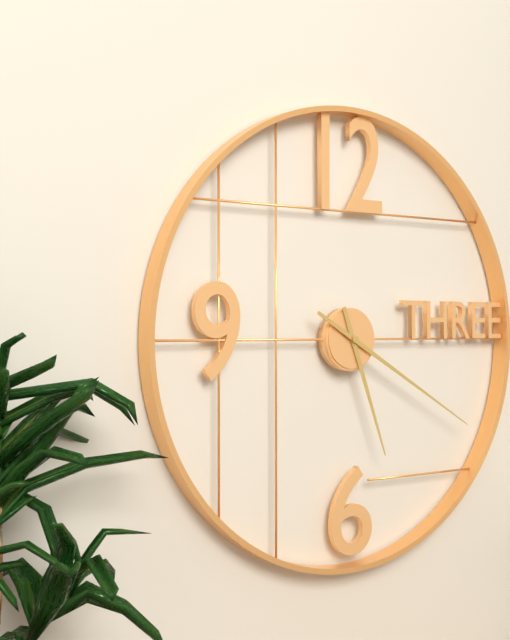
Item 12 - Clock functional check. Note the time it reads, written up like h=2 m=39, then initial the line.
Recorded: h=5 m=20
